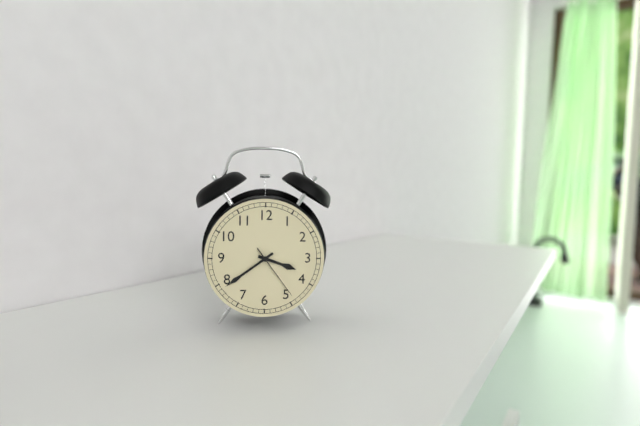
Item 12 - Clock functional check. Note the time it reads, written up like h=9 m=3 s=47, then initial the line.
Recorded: h=3 m=39 s=24
